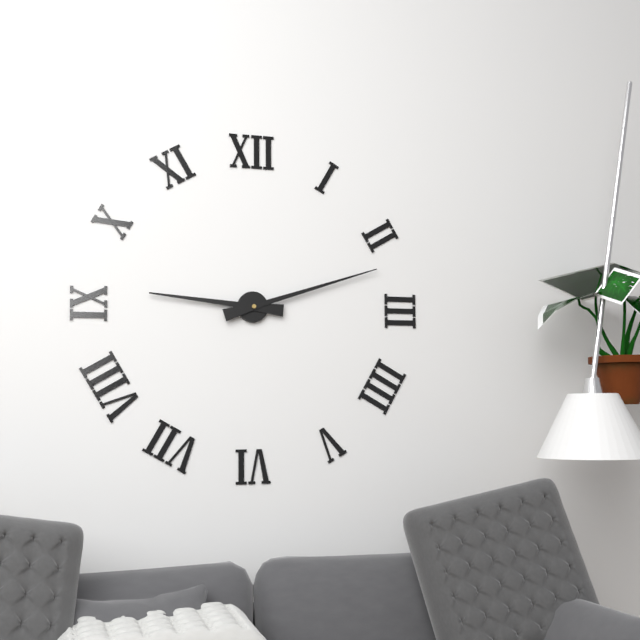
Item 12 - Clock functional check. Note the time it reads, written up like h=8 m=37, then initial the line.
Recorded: h=9 m=12
